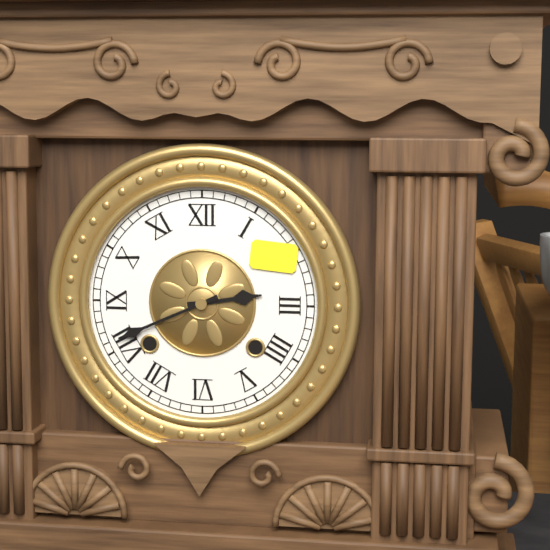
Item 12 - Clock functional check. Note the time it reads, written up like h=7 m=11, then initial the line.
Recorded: h=2 m=41
